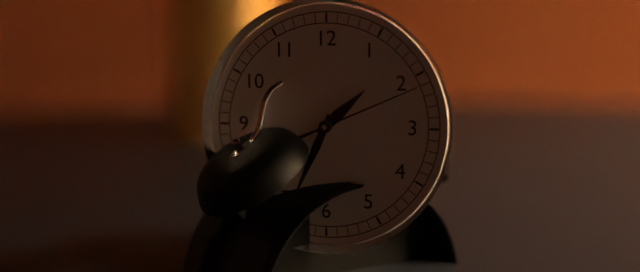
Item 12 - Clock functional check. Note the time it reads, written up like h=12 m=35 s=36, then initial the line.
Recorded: h=1 m=34 s=11
